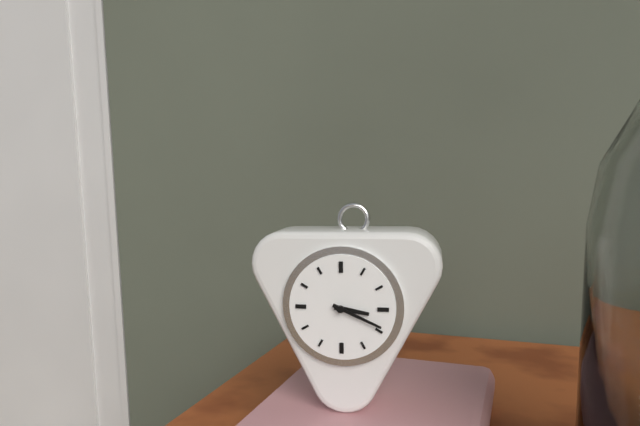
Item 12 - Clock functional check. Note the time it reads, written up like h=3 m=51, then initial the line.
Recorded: h=3 m=19
